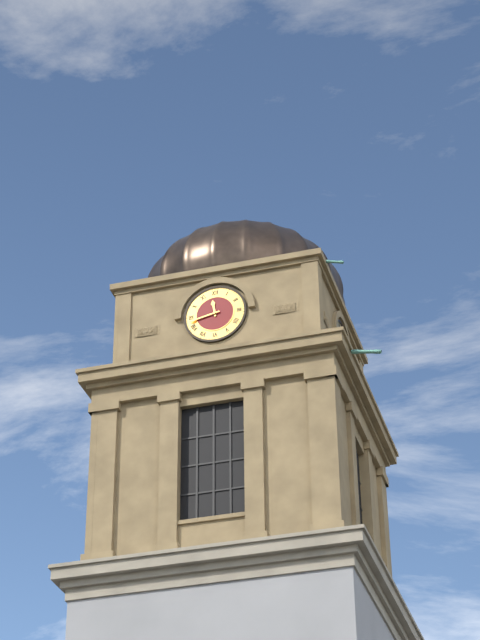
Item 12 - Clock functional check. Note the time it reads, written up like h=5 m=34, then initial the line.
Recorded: h=11 m=43
